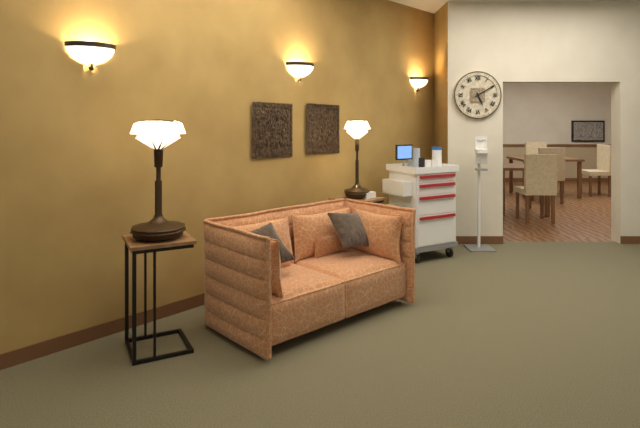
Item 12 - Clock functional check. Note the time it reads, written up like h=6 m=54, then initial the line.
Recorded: h=5 m=10
